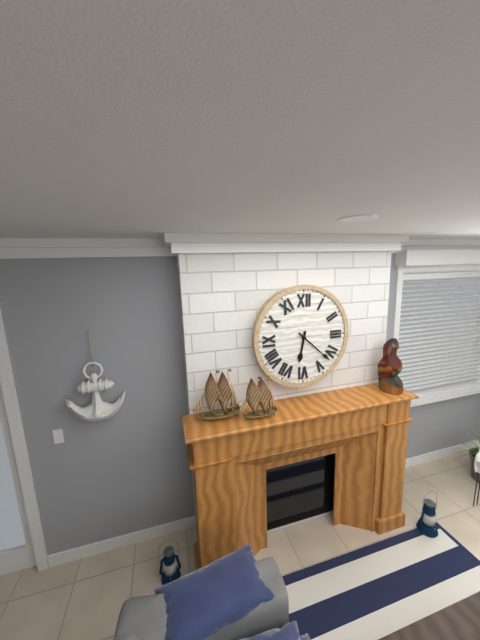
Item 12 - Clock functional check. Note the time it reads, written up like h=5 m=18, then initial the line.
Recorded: h=6 m=22
